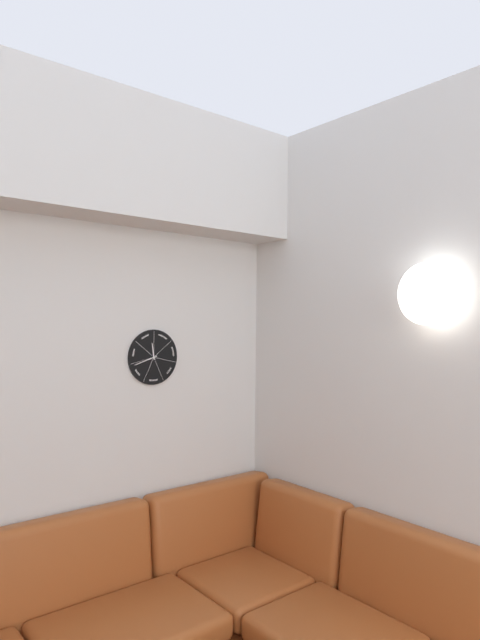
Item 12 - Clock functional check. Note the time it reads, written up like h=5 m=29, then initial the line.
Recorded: h=11 m=42
